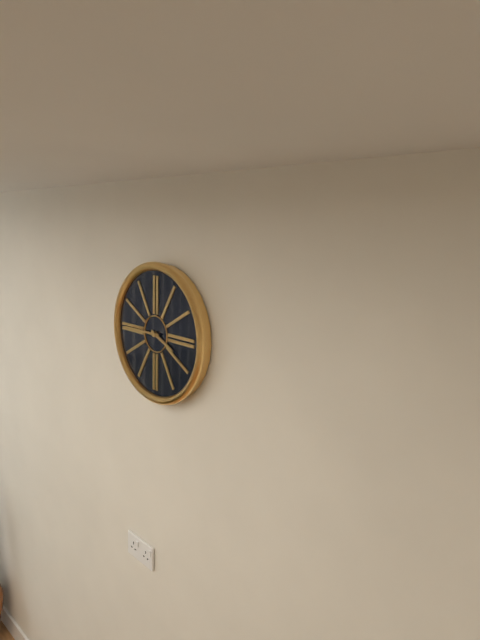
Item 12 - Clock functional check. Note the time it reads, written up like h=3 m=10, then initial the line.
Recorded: h=3 m=45
